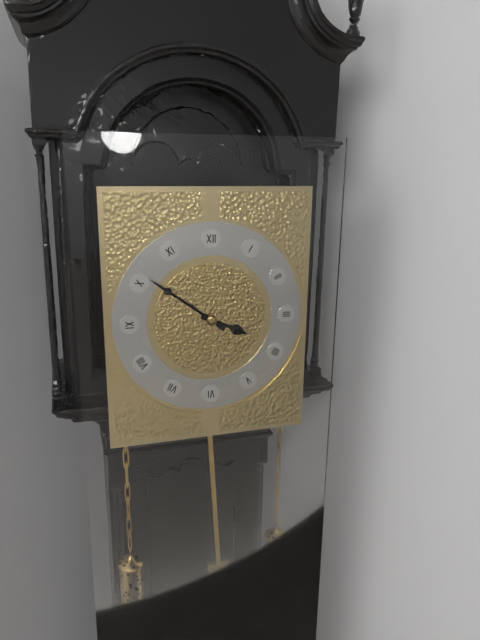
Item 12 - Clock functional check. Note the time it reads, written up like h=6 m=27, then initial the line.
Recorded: h=3 m=51
